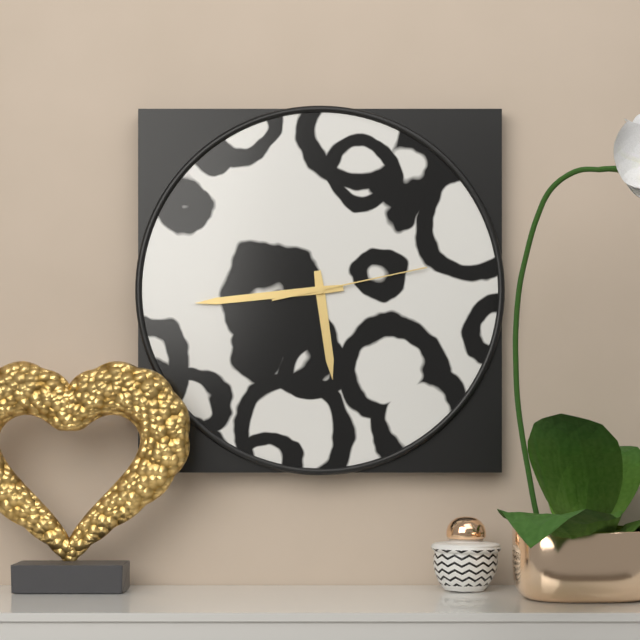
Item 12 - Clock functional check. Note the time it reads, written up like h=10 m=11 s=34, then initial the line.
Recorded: h=5 m=44 s=13
